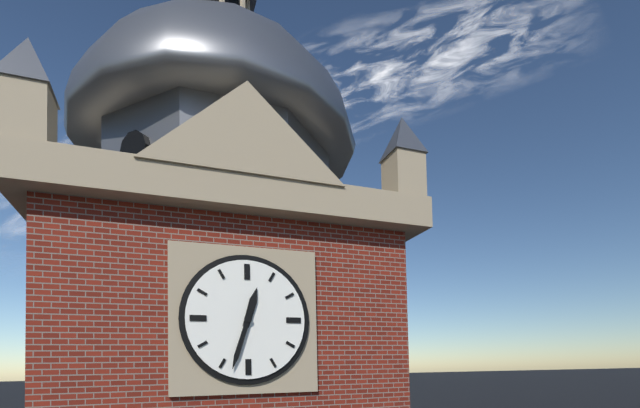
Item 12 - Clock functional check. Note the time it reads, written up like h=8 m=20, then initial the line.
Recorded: h=12 m=33
